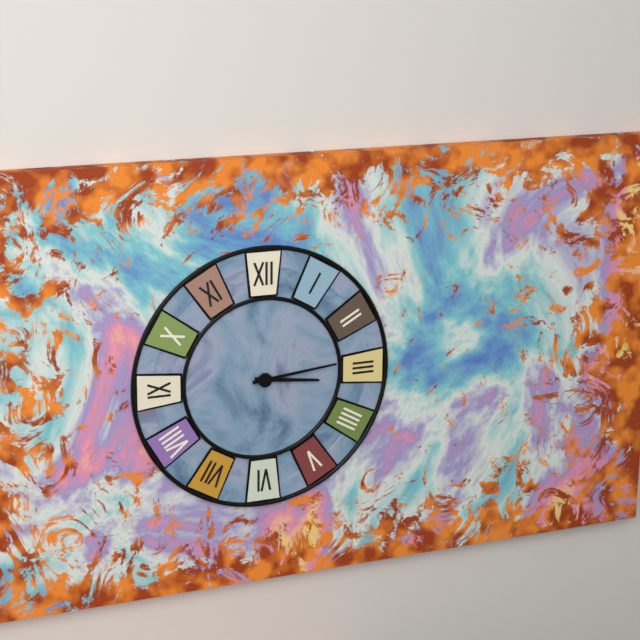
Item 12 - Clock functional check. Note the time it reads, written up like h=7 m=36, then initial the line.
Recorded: h=3 m=14
